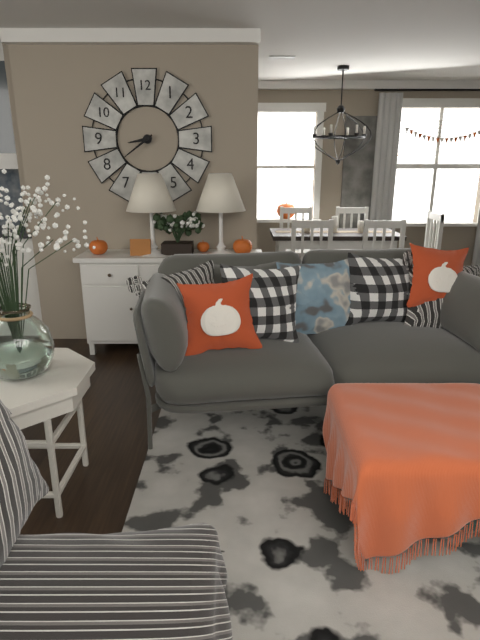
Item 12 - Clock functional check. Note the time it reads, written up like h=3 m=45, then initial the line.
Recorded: h=8 m=39
